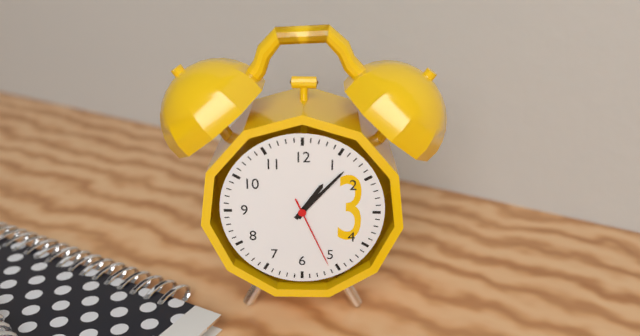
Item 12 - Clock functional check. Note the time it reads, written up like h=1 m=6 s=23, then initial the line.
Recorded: h=1 m=7 s=26
